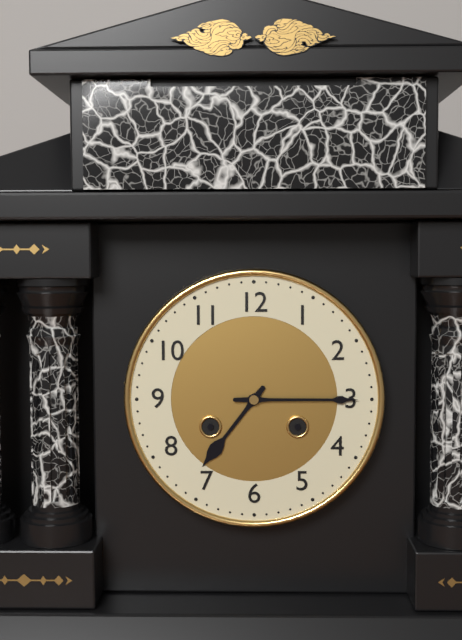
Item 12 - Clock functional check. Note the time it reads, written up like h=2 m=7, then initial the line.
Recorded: h=7 m=15
